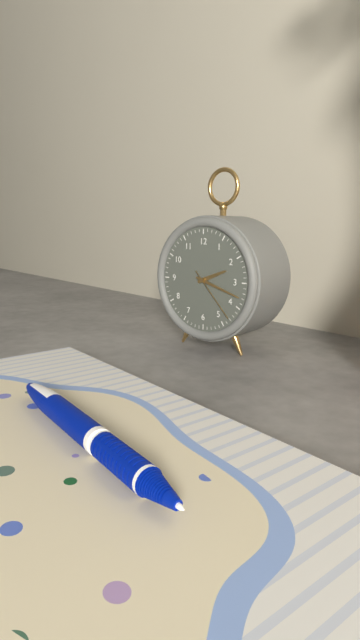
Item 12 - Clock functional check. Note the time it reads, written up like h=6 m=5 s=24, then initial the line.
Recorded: h=2 m=18 s=23
